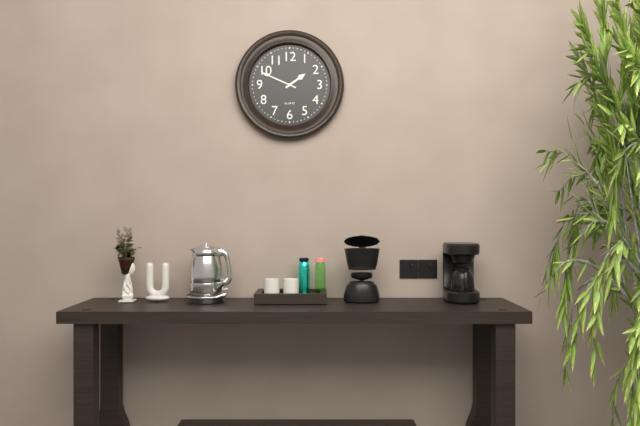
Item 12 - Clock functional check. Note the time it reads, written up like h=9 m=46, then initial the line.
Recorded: h=1 m=49
